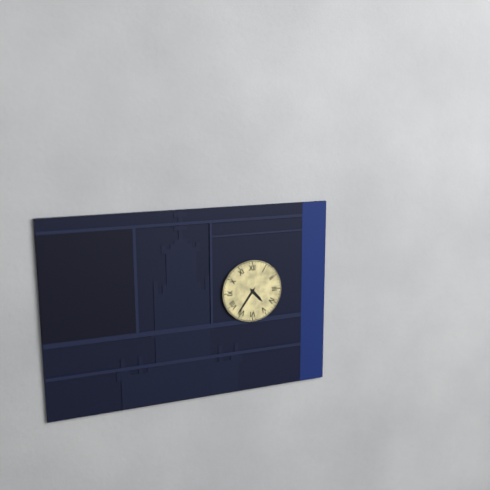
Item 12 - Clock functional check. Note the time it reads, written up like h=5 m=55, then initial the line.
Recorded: h=4 m=36
